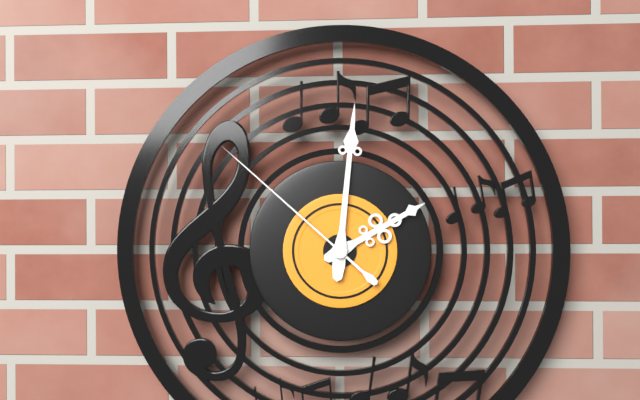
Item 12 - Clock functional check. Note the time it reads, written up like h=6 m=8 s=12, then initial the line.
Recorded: h=2 m=1 s=52
